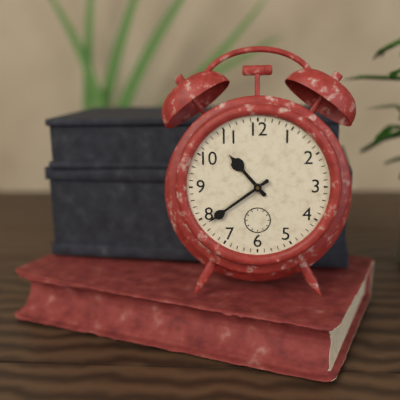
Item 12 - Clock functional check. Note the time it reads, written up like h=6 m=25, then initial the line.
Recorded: h=10 m=39
